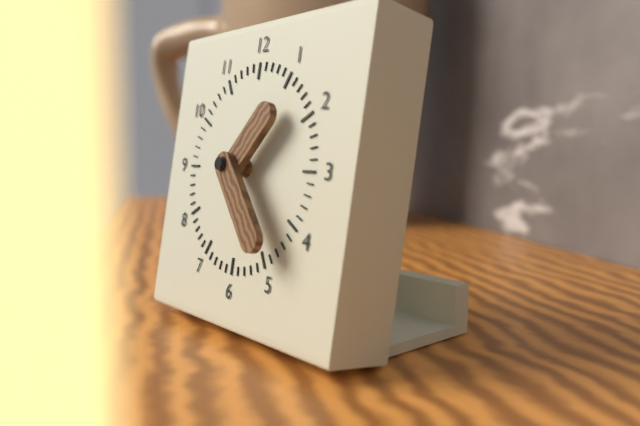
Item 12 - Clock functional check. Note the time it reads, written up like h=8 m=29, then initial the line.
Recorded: h=1 m=23
